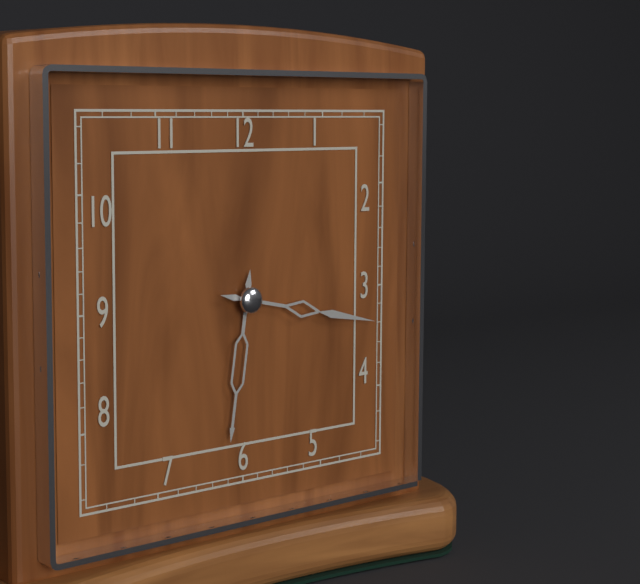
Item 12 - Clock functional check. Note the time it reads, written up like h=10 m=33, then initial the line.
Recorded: h=6 m=17
